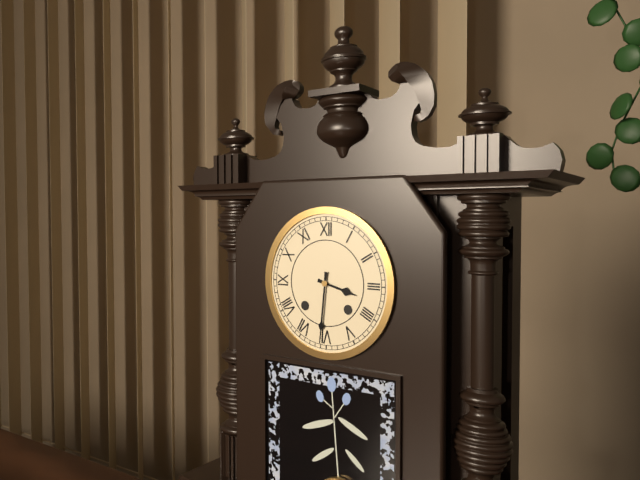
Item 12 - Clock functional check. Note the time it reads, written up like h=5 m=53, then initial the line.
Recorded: h=3 m=31
